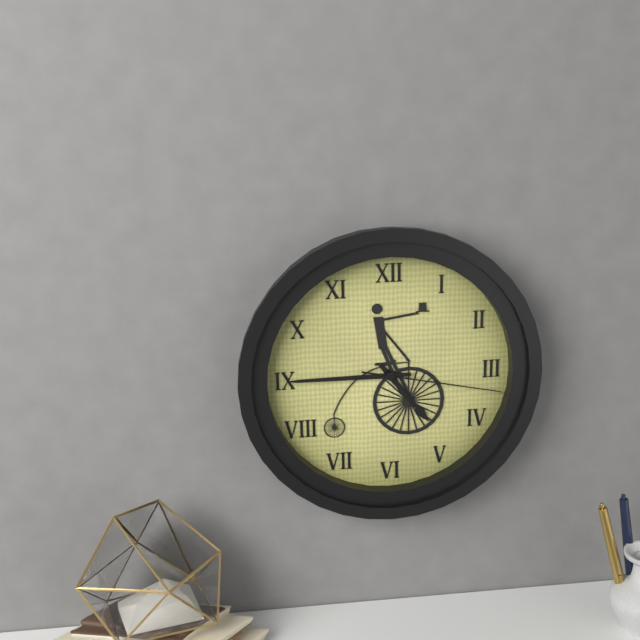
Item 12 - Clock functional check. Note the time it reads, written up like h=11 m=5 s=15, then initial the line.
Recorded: h=4 m=45 s=17
